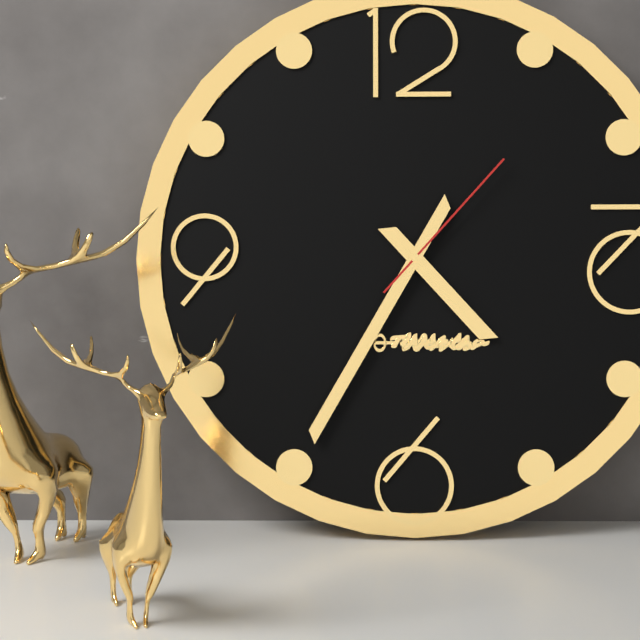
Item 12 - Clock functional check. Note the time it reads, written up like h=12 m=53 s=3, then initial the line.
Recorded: h=4 m=35 s=7
